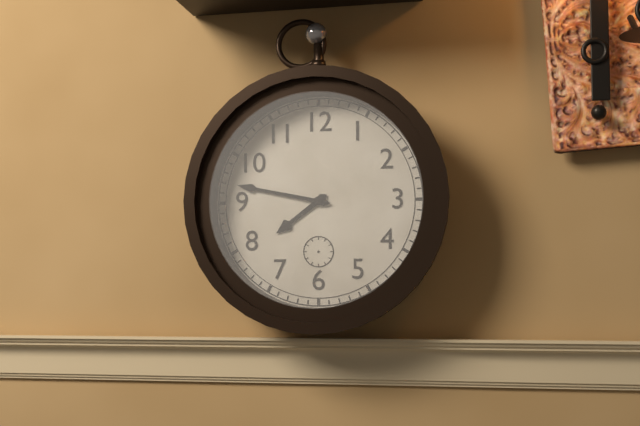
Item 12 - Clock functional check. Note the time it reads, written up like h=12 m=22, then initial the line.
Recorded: h=7 m=47
